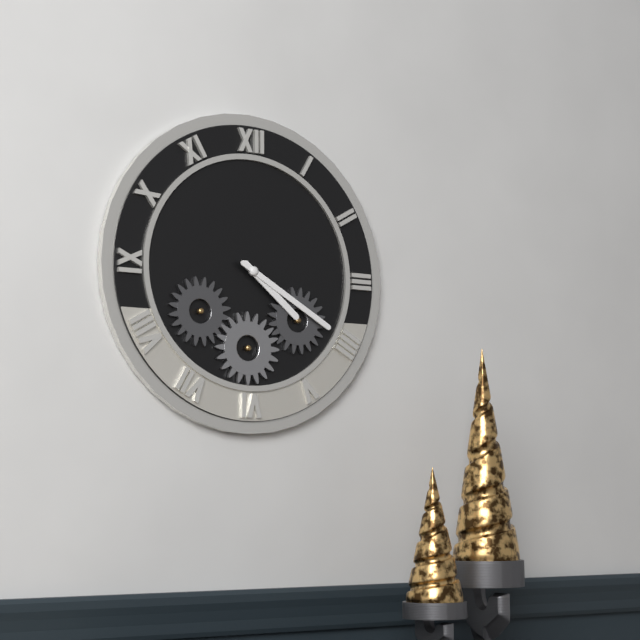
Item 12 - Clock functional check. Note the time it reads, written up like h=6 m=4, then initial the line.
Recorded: h=4 m=20
